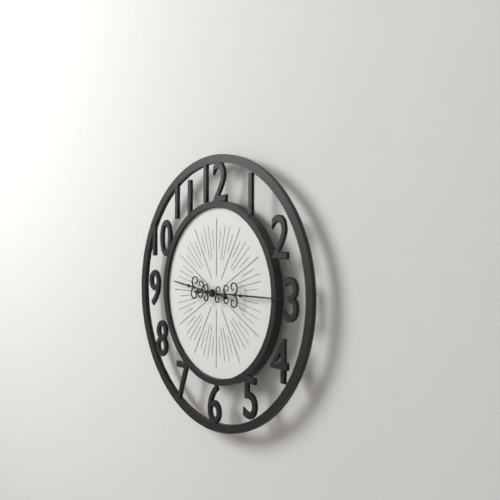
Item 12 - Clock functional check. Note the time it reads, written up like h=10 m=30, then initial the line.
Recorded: h=9 m=15
